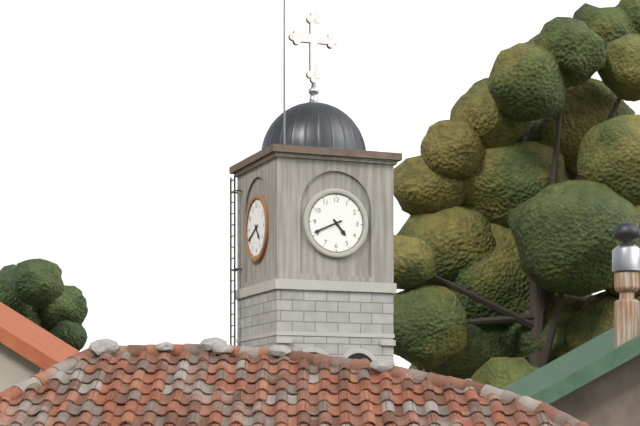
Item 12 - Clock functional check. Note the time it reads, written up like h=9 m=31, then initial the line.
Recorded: h=4 m=41
